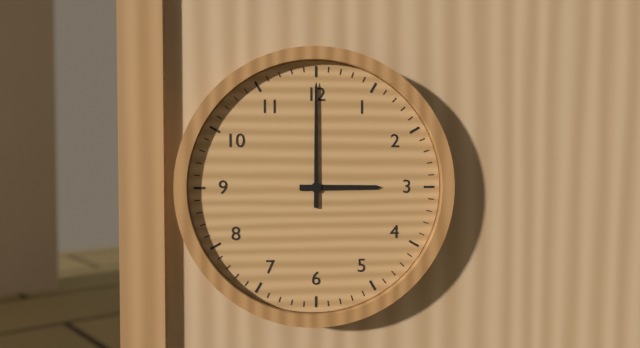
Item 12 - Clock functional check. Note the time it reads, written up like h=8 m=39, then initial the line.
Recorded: h=3 m=0
